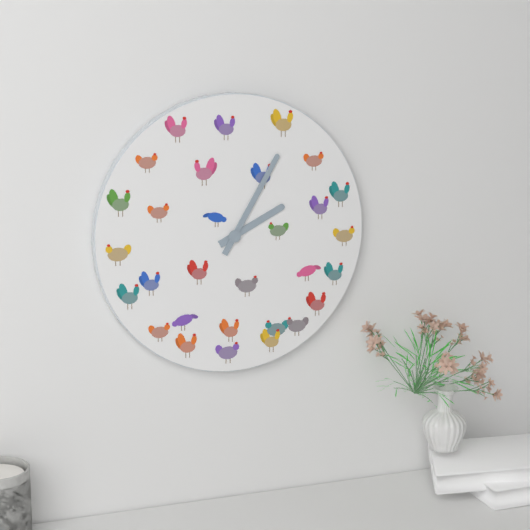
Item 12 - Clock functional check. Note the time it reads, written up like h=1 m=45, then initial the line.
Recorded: h=2 m=5
